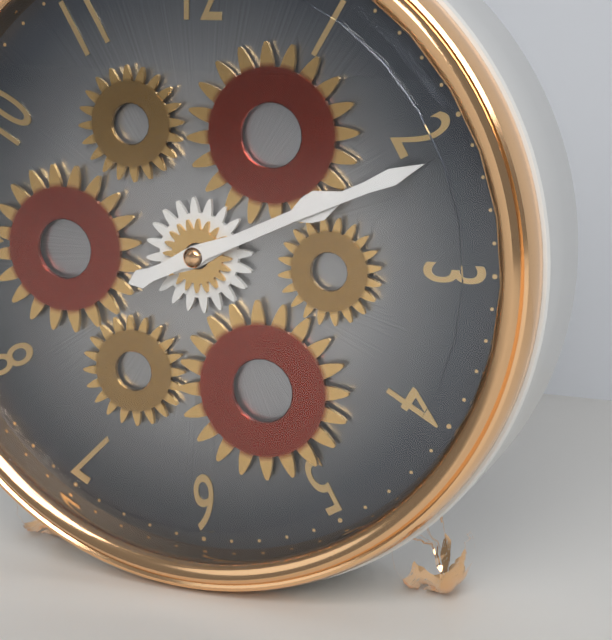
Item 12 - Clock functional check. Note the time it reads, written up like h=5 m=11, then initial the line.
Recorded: h=2 m=11
